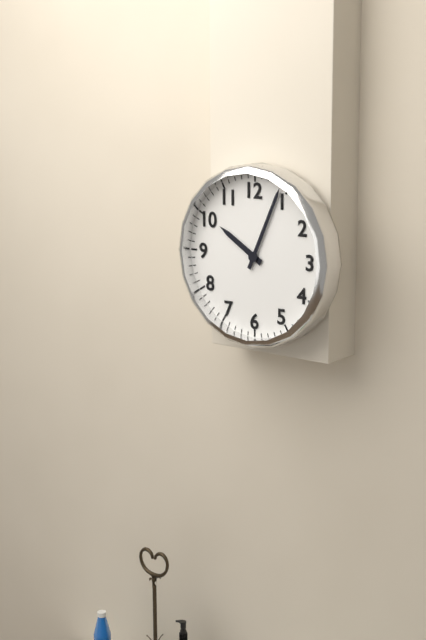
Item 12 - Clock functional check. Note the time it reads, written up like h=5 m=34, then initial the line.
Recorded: h=10 m=4
